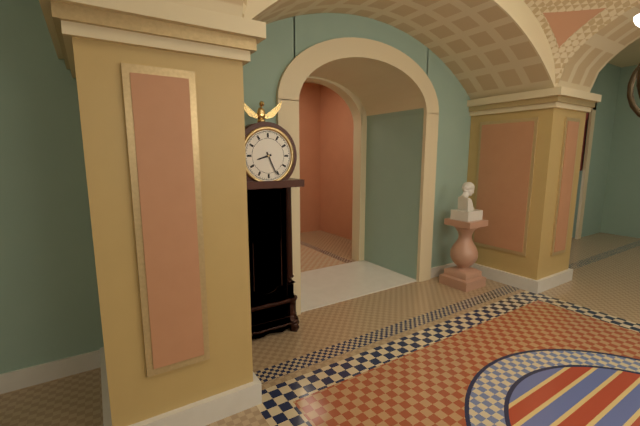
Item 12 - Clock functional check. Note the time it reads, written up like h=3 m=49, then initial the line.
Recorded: h=8 m=26
